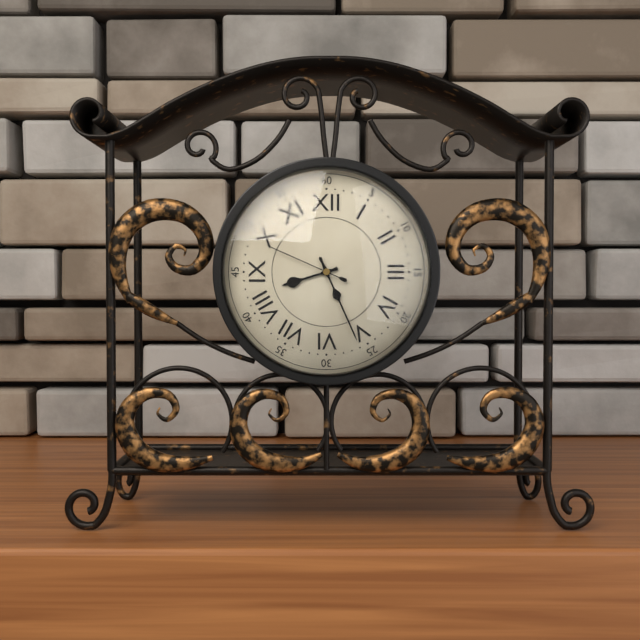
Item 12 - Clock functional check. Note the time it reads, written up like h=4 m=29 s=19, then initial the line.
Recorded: h=8 m=26 s=49
